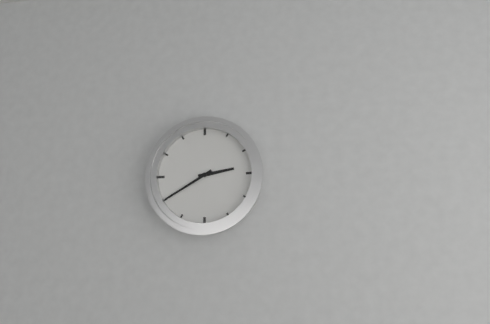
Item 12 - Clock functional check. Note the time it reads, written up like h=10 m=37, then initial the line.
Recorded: h=2 m=40
